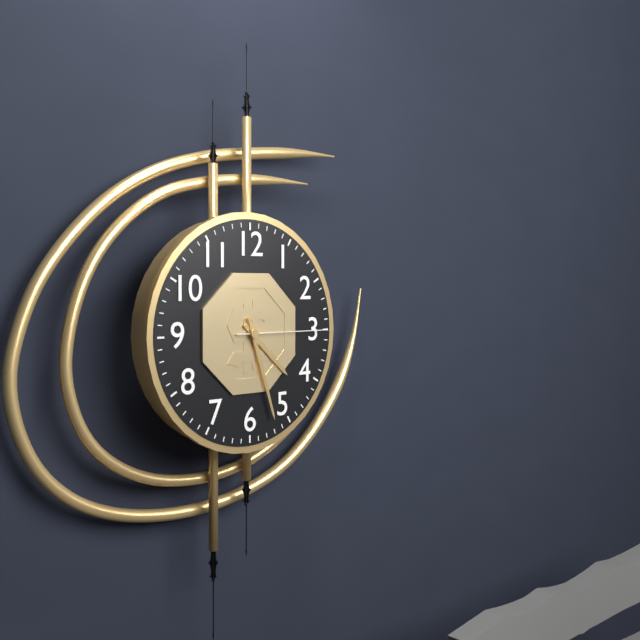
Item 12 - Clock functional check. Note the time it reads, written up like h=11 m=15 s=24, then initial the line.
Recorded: h=4 m=27 s=15
